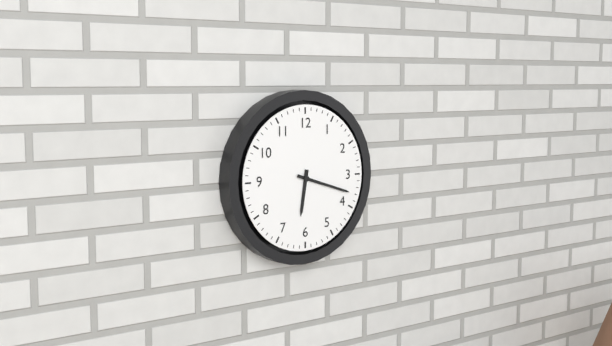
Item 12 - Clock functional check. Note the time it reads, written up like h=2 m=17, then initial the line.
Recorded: h=6 m=18
